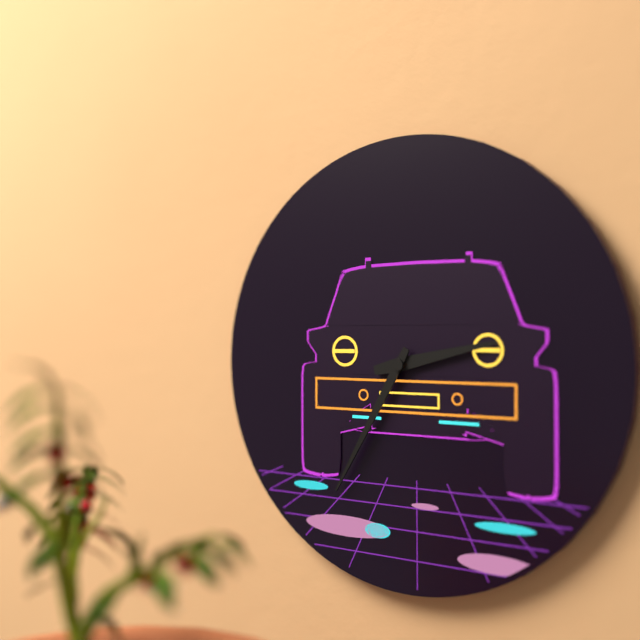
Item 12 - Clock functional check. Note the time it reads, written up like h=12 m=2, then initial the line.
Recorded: h=2 m=35
